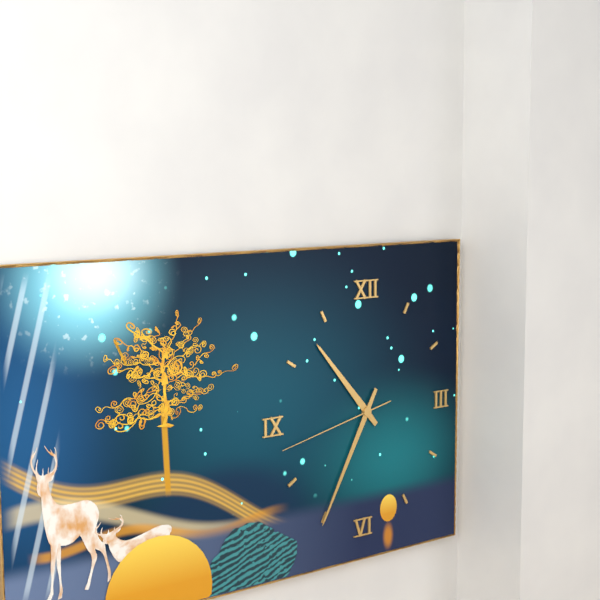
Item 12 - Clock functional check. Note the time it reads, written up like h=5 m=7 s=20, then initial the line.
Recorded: h=10 m=35 s=43
